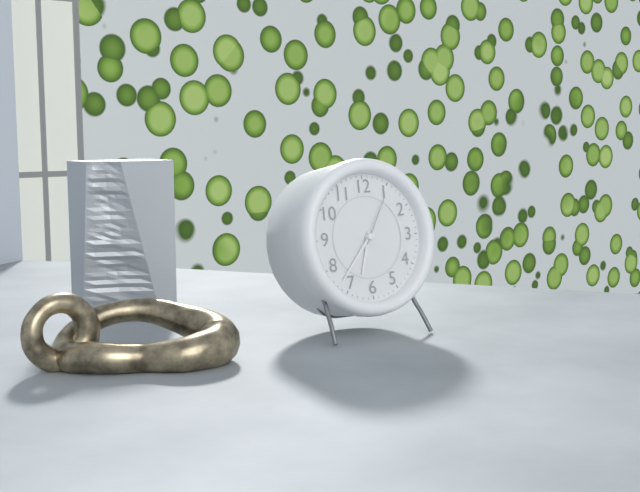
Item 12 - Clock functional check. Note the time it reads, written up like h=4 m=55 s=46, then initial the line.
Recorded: h=6 m=37 s=5
